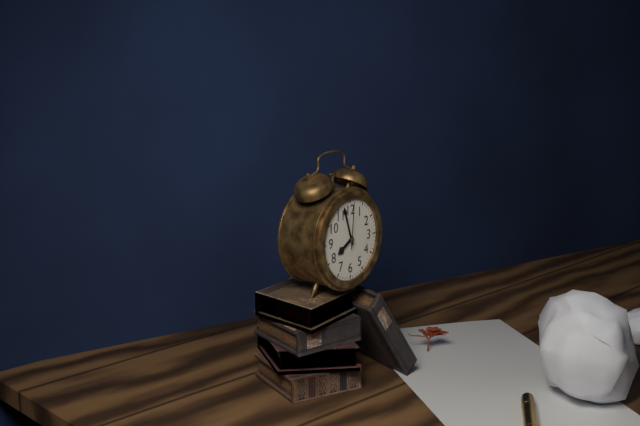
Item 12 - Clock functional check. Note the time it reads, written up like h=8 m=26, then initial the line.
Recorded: h=7 m=57
